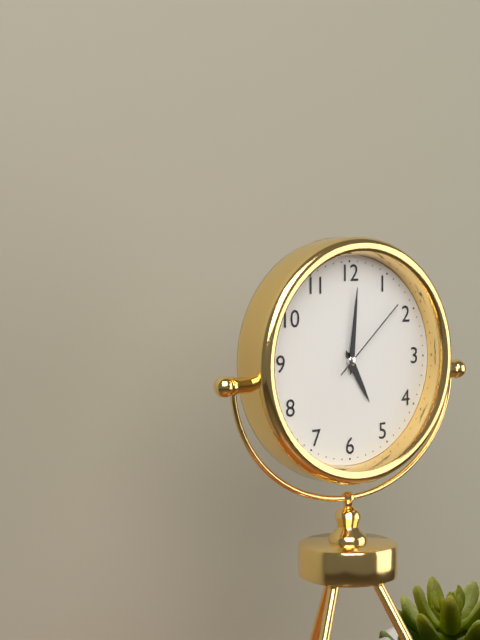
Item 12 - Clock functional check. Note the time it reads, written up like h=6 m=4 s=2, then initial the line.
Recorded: h=5 m=1 s=8
